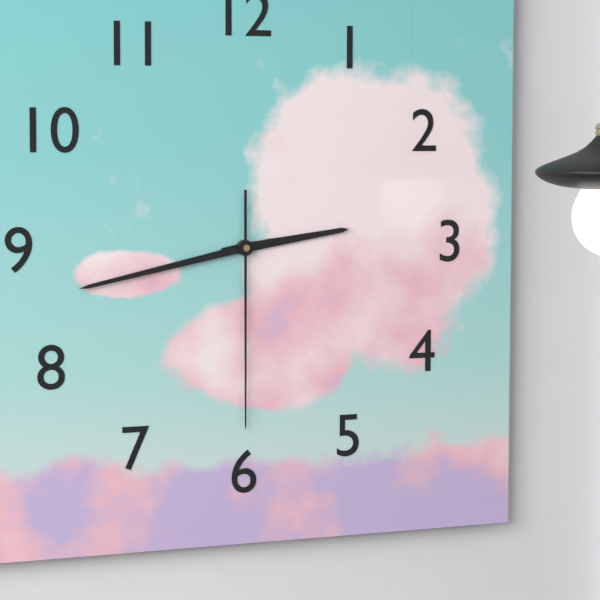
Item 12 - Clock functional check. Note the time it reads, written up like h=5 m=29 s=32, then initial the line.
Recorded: h=2 m=43 s=30
